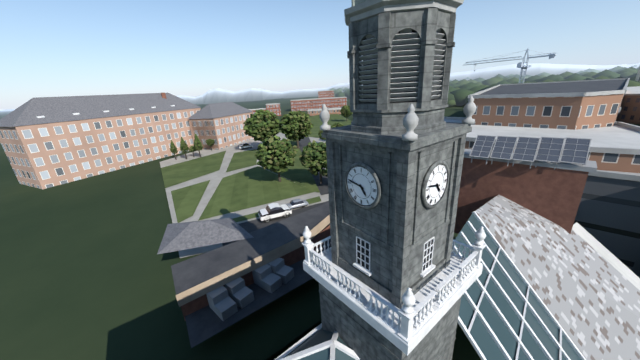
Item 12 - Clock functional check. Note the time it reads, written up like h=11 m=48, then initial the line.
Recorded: h=4 m=47
